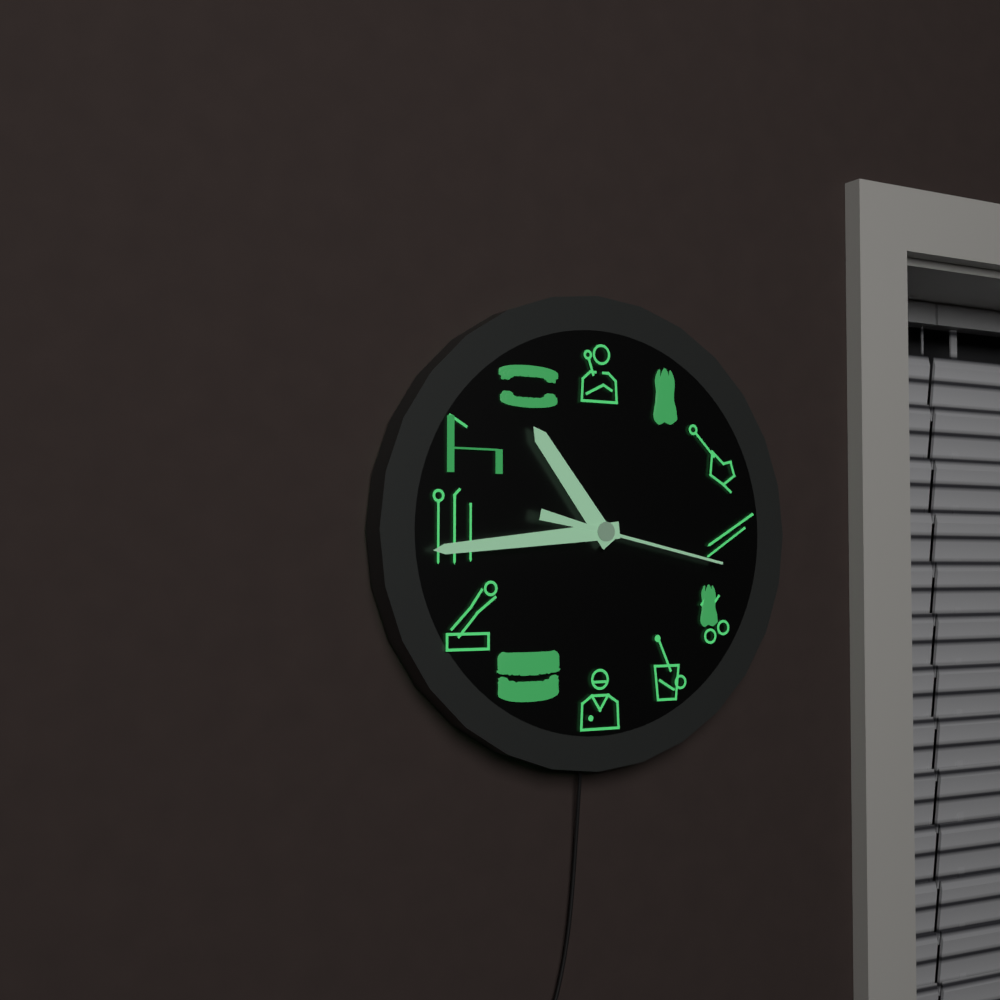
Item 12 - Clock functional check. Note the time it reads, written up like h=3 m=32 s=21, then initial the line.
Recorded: h=10 m=44 s=17
